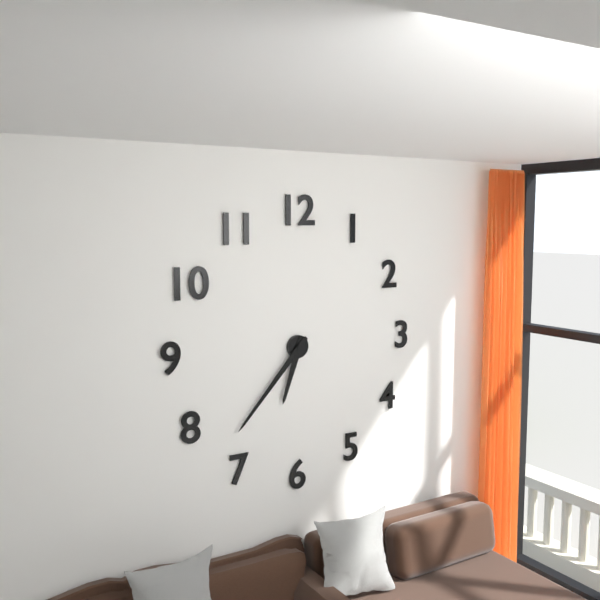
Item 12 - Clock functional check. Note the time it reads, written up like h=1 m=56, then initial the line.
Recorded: h=6 m=37
